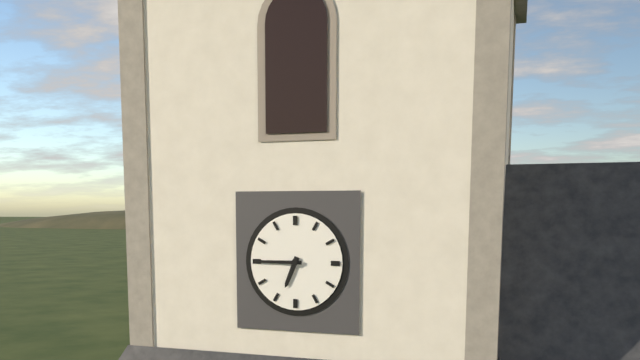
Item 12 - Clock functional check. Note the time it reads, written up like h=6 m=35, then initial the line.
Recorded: h=6 m=45
